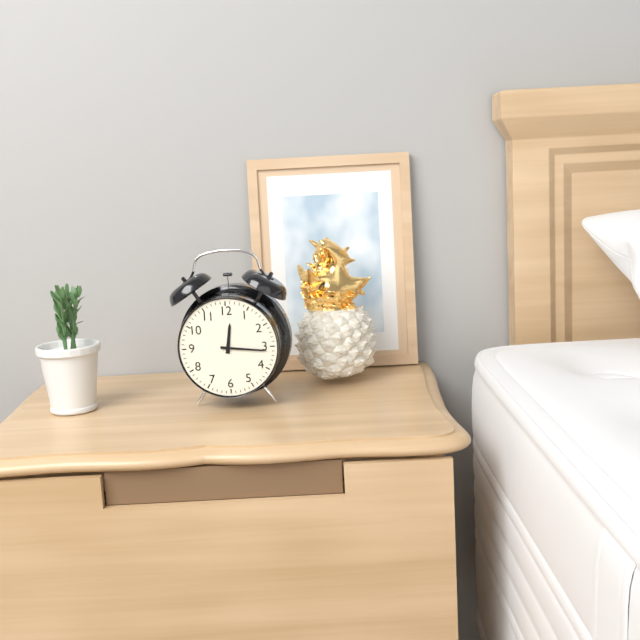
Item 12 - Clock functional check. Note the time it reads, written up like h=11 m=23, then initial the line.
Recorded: h=12 m=16
